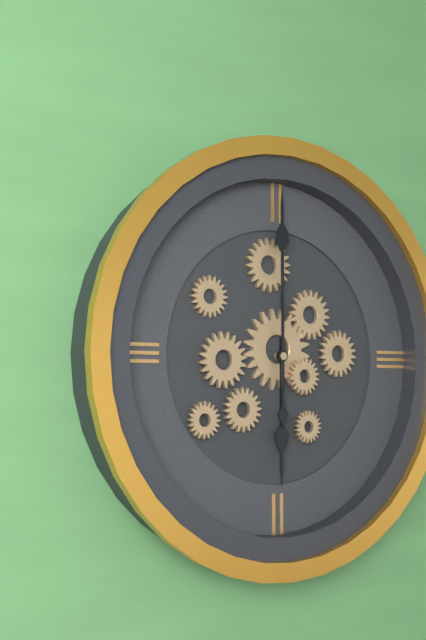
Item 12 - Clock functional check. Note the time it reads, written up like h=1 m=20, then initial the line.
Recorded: h=6 m=0
